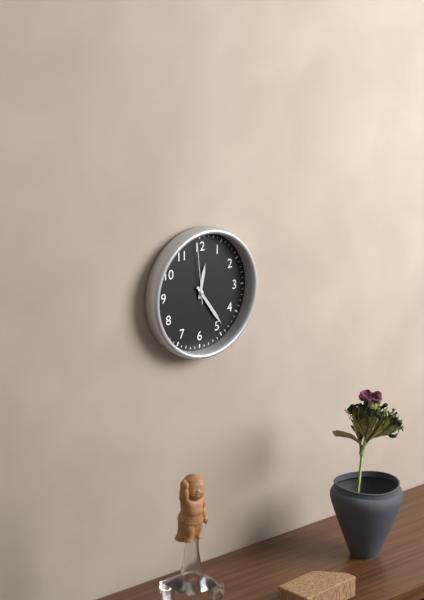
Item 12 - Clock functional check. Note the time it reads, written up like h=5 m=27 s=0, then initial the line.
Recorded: h=12 m=24 s=59
